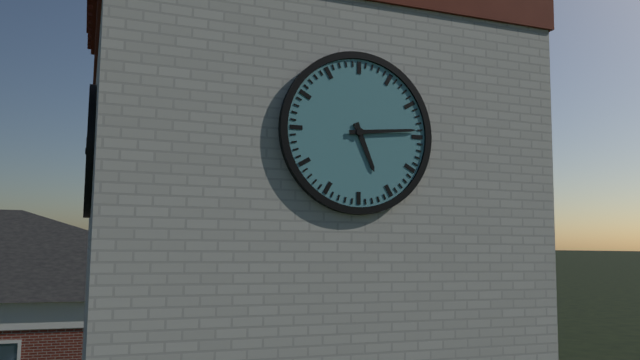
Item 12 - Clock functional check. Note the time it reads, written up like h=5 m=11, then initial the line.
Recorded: h=5 m=14
